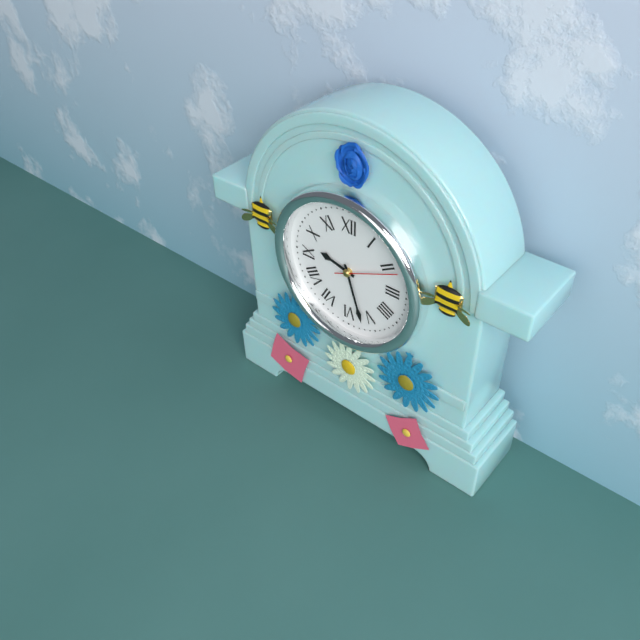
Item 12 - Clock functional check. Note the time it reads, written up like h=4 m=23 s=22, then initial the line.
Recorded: h=9 m=27 s=11
